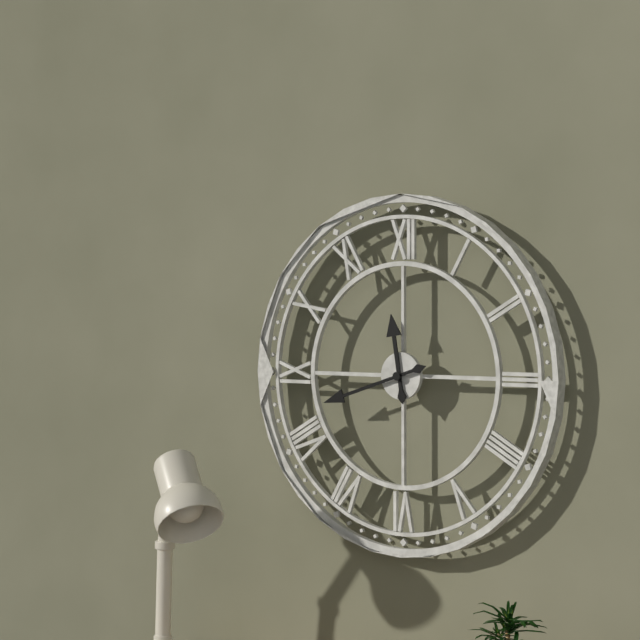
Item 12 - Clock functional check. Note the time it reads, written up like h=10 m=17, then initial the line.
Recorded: h=11 m=42
